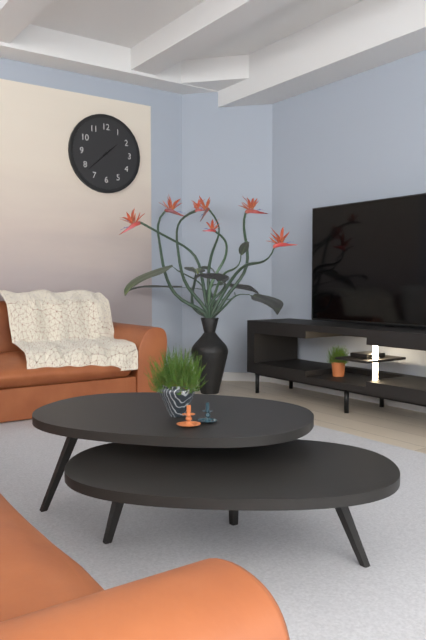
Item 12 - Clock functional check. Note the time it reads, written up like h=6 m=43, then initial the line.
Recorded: h=1 m=38
